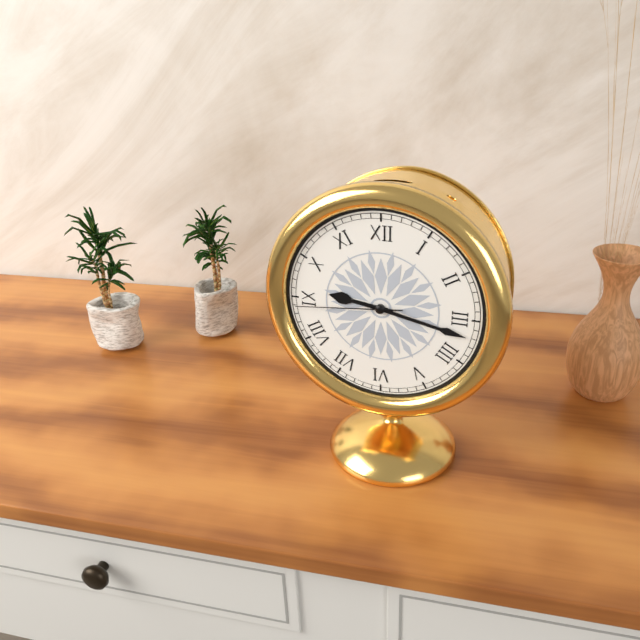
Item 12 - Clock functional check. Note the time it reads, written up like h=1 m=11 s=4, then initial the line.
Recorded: h=9 m=17 s=44
